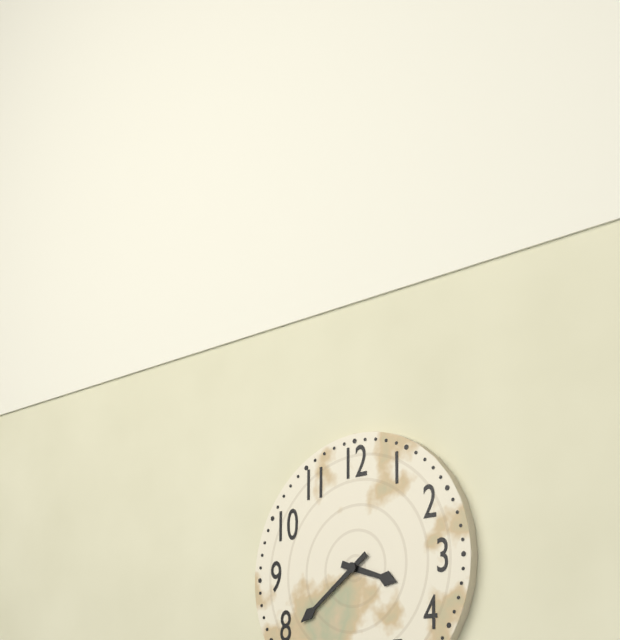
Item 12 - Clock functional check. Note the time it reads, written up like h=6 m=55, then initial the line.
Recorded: h=3 m=39
